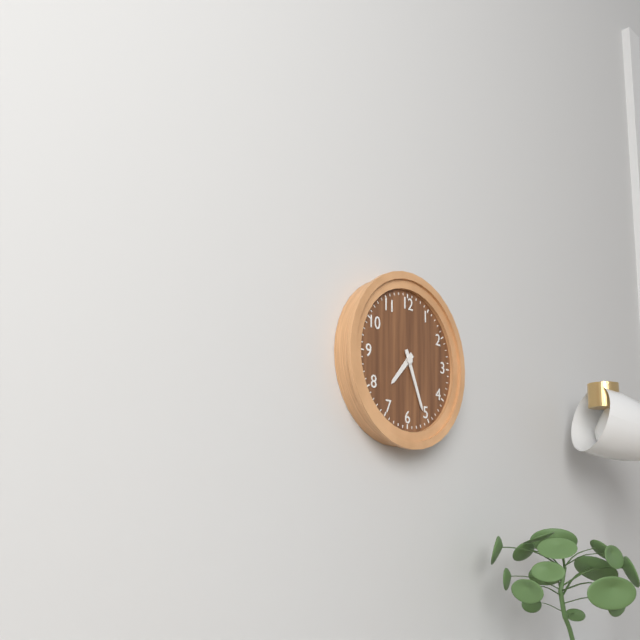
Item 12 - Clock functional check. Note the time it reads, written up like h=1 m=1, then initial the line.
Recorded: h=7 m=26
